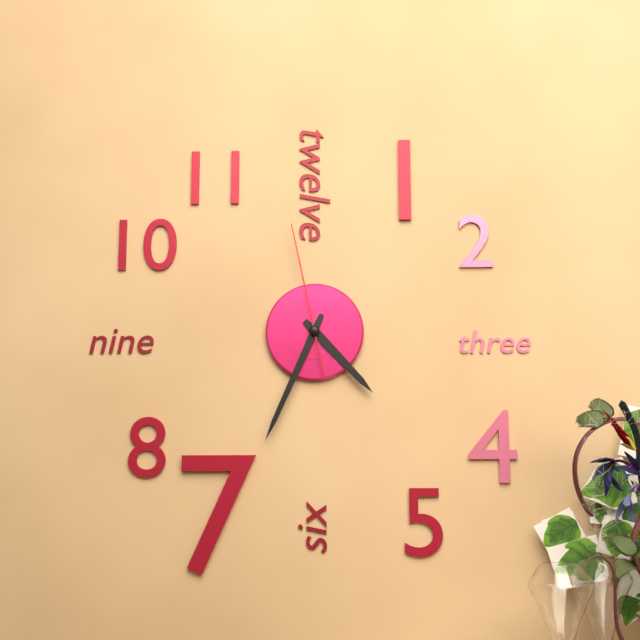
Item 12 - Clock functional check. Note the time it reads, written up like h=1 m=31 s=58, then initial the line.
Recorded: h=4 m=34 s=58
